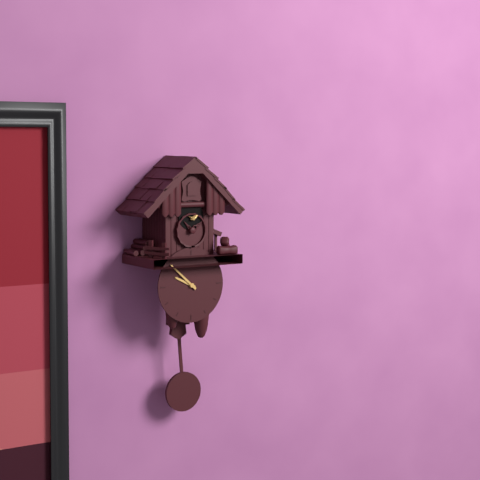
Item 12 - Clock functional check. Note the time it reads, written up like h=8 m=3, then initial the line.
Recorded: h=9 m=52
